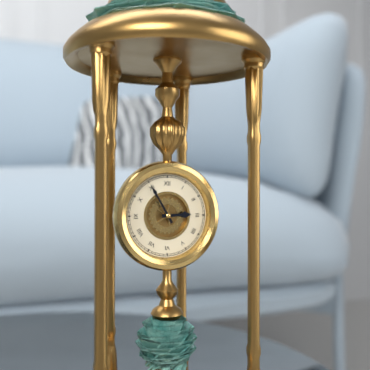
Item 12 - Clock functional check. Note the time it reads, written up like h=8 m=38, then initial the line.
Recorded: h=2 m=55
